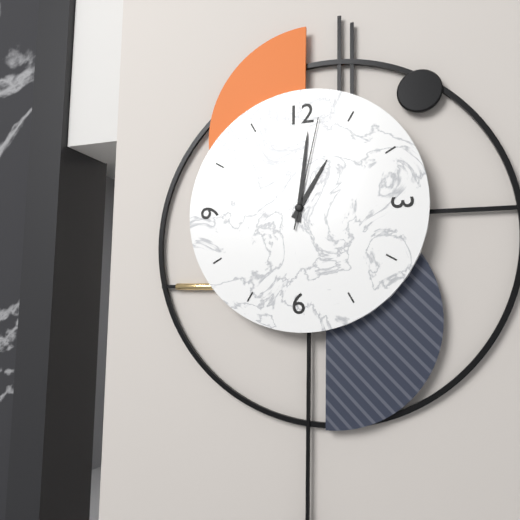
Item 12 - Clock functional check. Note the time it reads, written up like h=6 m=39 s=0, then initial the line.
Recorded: h=1 m=1 s=2
